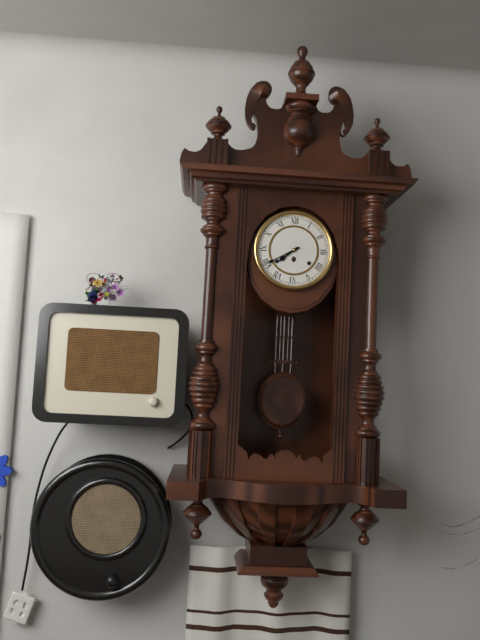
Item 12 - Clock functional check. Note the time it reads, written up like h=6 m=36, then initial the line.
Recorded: h=7 m=40
